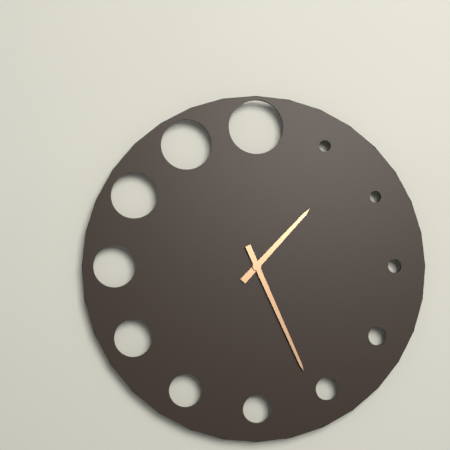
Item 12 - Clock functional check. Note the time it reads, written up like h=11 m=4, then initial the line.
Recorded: h=1 m=26
